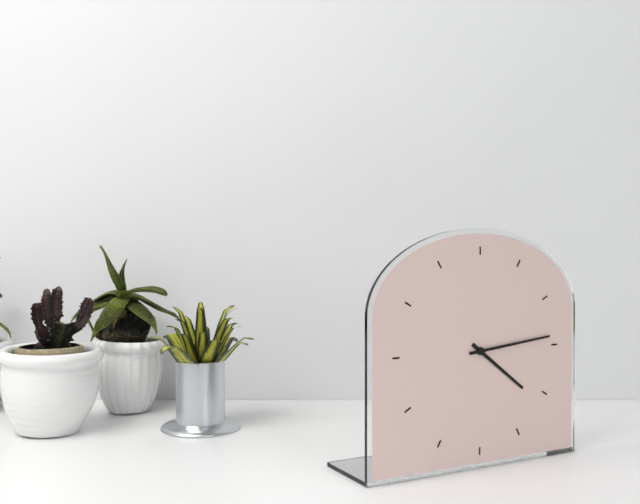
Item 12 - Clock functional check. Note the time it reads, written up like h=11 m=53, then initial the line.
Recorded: h=4 m=14
